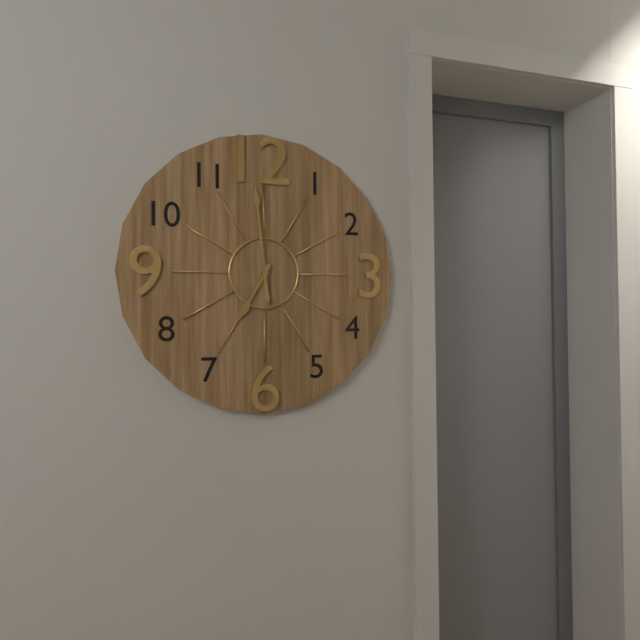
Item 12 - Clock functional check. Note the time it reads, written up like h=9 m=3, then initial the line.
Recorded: h=6 m=59
